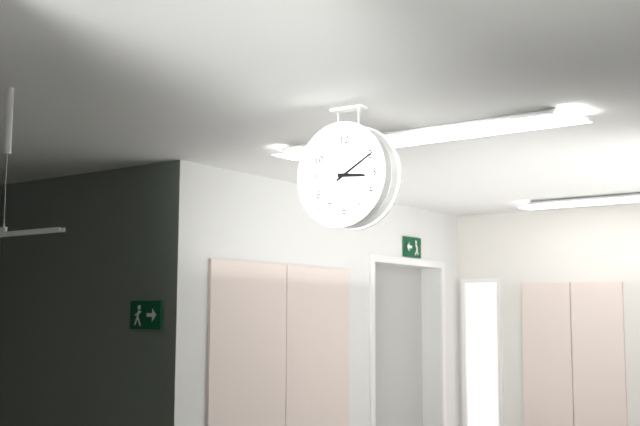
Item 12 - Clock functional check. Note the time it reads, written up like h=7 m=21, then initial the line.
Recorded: h=3 m=10
